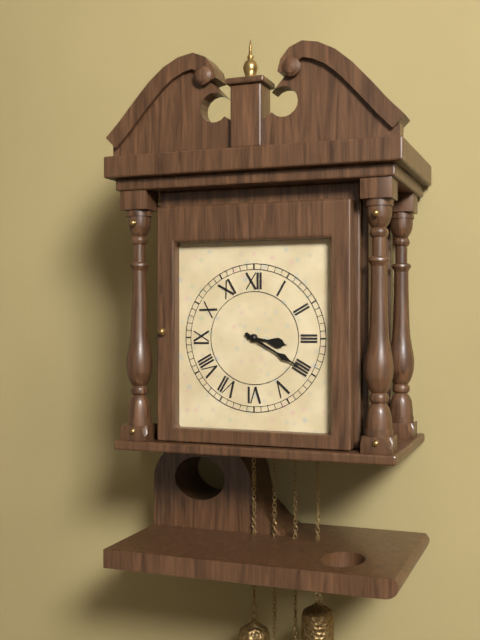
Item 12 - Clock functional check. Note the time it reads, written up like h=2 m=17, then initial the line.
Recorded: h=3 m=20
